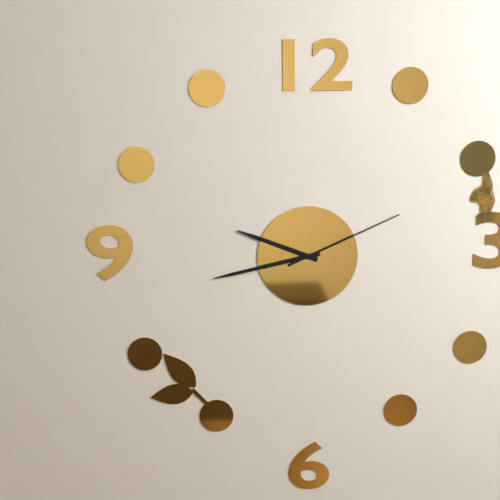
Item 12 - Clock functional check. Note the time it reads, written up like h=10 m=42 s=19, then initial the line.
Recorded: h=9 m=43 s=11
